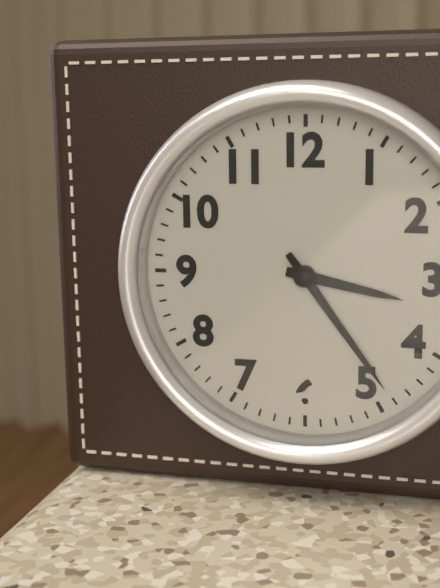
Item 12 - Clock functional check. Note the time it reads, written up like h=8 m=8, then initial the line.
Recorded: h=3 m=24
